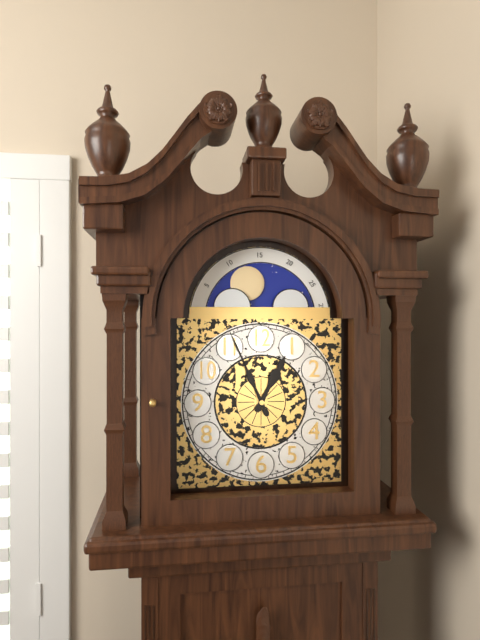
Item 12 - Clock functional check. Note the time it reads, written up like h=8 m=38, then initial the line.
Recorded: h=12 m=56
